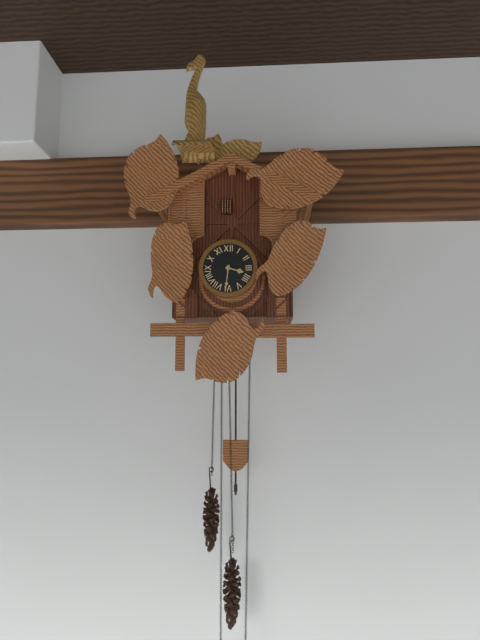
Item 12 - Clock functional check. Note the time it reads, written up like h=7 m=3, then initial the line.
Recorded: h=3 m=31
